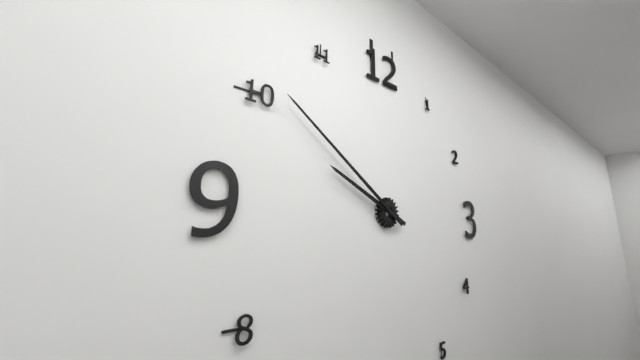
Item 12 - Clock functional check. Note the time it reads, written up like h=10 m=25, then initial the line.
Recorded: h=9 m=51
